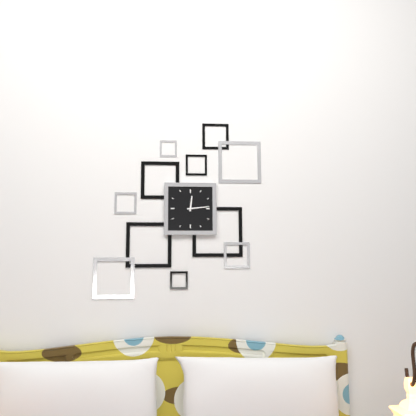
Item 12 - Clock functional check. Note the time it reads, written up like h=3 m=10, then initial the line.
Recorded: h=12 m=14
